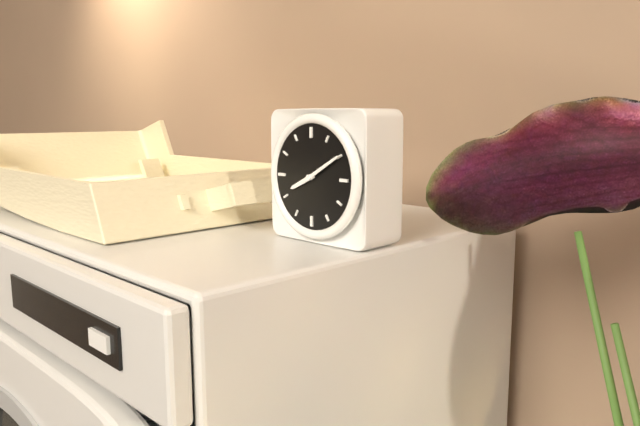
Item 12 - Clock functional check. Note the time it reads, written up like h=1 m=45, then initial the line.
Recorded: h=8 m=10
